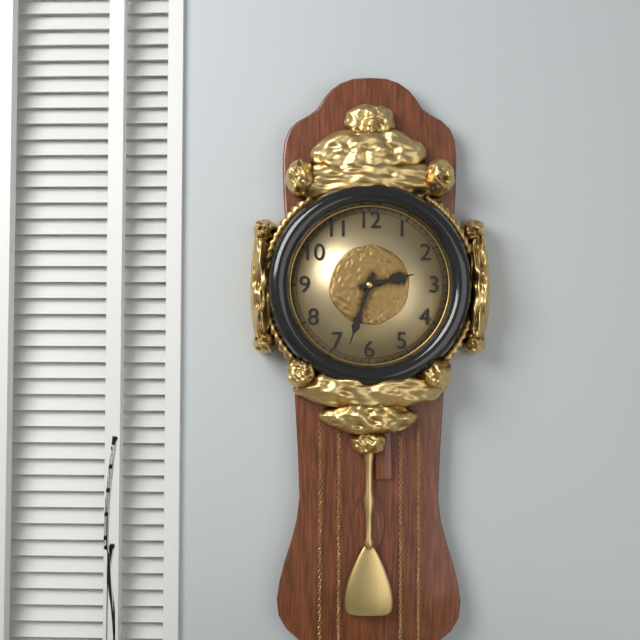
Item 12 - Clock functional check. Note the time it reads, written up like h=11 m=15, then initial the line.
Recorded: h=2 m=33
